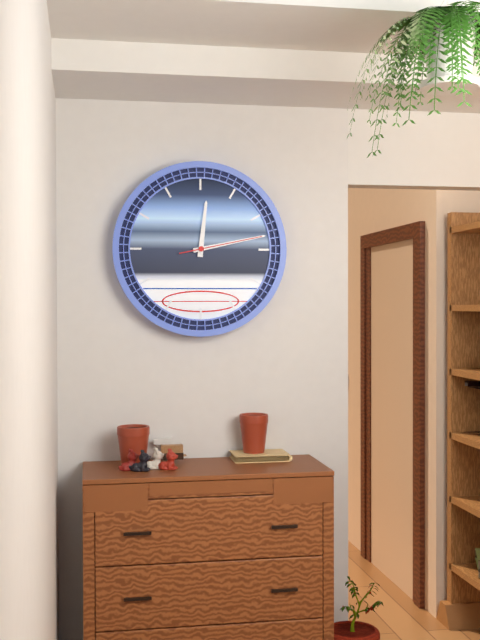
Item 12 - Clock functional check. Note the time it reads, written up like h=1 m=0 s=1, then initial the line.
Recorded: h=12 m=13 s=13
